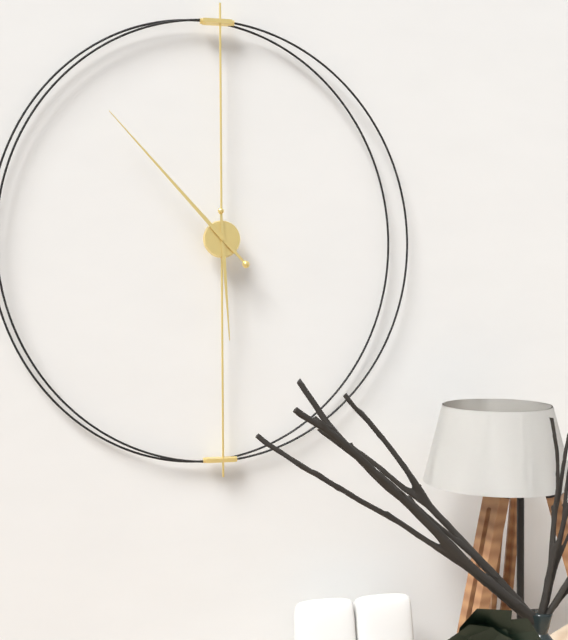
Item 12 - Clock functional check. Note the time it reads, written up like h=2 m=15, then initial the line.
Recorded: h=5 m=53
